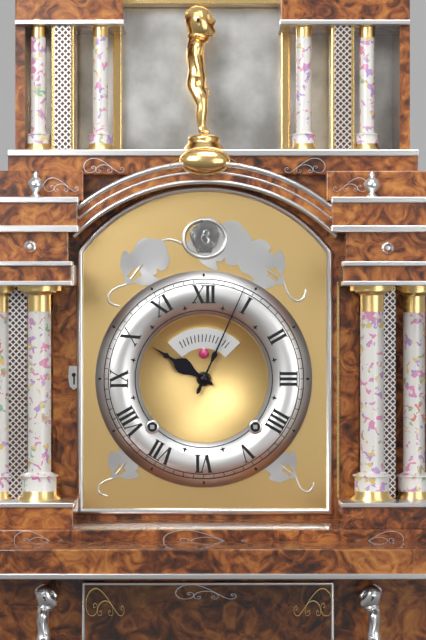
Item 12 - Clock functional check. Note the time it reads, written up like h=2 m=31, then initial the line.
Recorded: h=10 m=4
